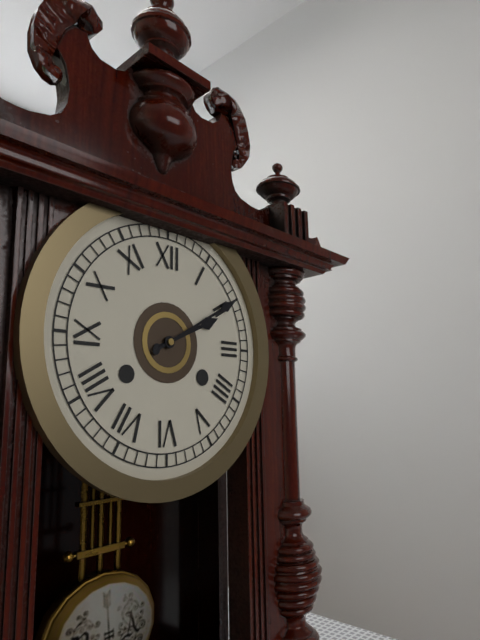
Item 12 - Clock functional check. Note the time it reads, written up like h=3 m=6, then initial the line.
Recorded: h=2 m=10
